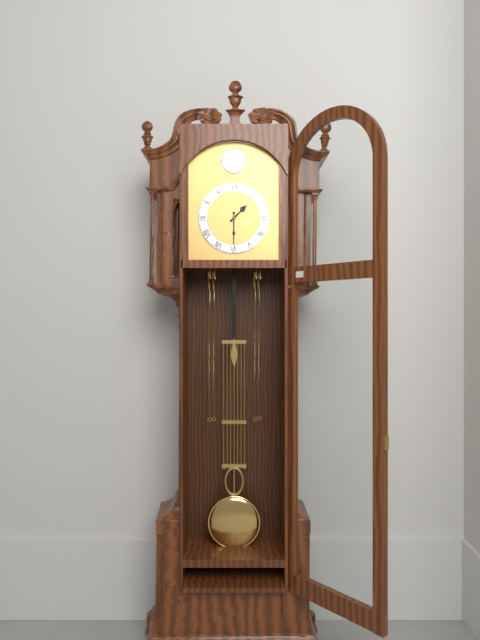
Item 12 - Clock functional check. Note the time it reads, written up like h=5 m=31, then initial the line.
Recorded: h=1 m=30
